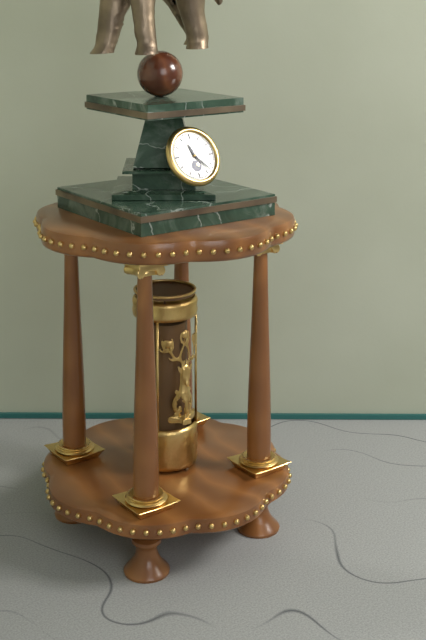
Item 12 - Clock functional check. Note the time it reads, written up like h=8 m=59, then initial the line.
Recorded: h=11 m=23
